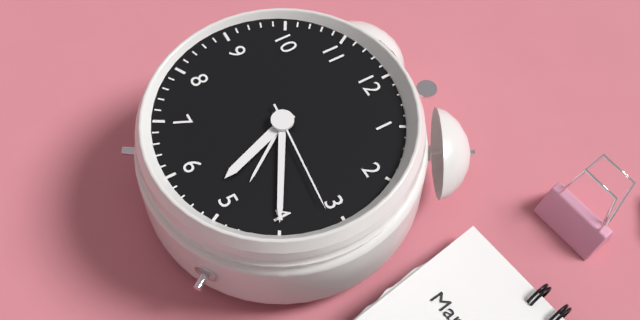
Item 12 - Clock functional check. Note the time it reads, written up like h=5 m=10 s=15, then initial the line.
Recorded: h=5 m=20 s=16
